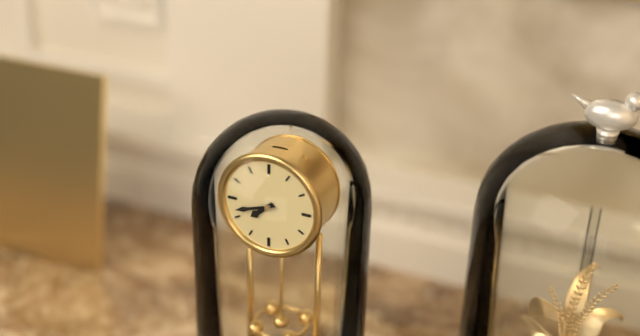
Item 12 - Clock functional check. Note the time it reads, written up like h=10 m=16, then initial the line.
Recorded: h=7 m=42
